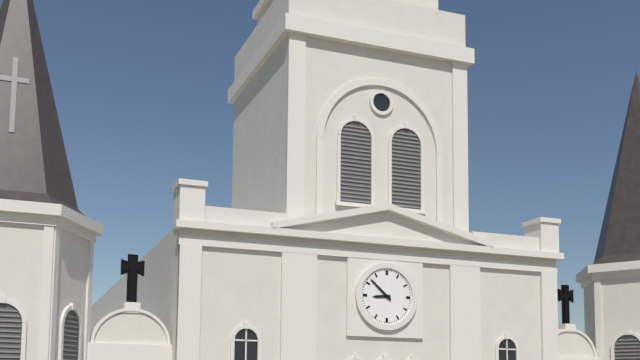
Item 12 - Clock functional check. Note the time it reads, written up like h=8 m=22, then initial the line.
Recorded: h=8 m=52
